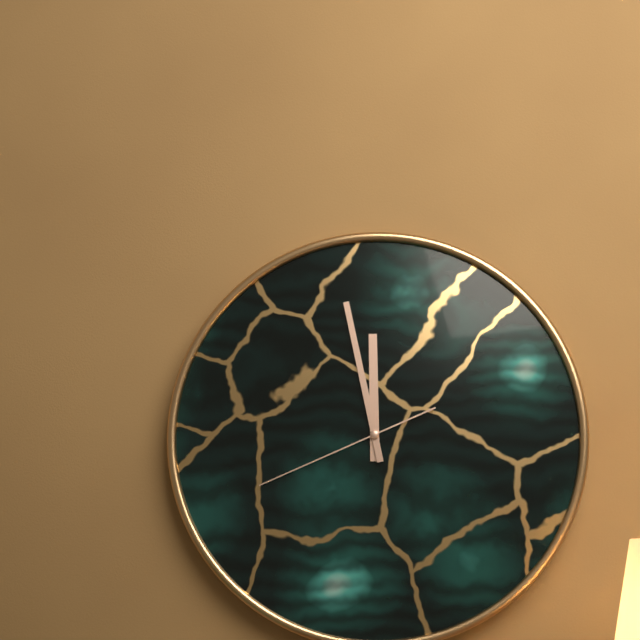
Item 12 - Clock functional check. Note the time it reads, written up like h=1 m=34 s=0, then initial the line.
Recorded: h=11 m=58 s=41
